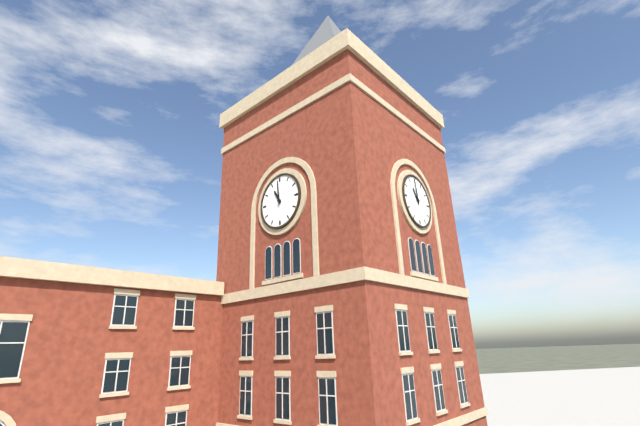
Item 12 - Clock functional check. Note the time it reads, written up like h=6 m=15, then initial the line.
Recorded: h=10 m=59
